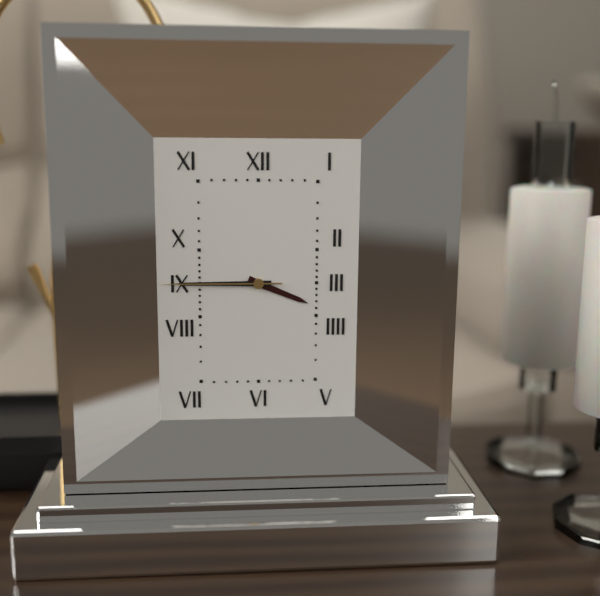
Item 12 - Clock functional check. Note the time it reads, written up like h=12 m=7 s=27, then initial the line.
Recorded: h=3 m=45 s=45
